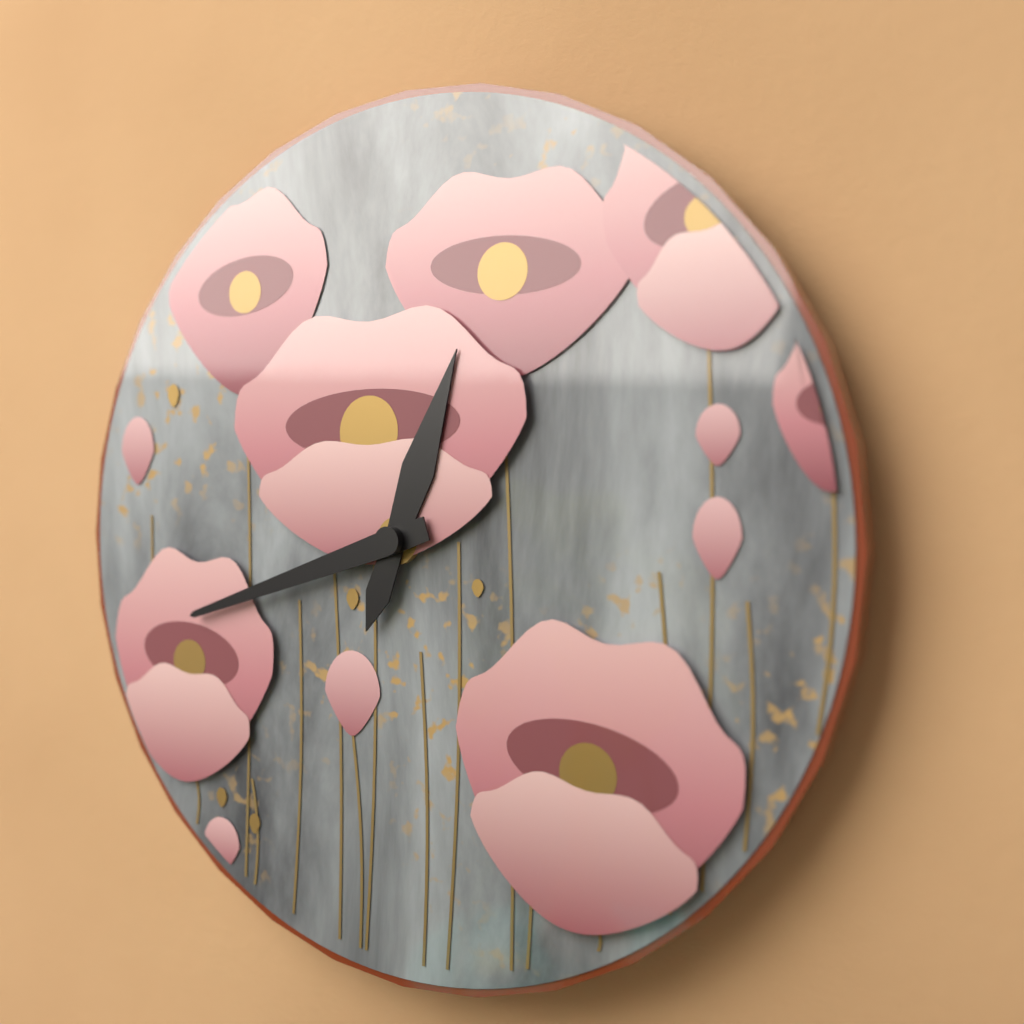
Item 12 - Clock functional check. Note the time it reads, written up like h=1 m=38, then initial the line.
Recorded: h=12 m=42
